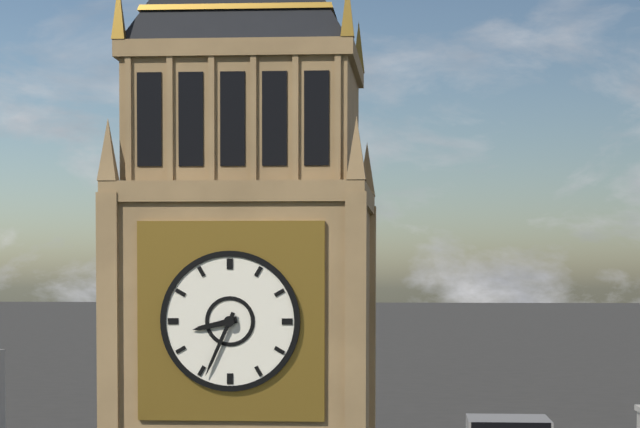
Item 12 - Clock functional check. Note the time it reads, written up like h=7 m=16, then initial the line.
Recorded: h=8 m=34
